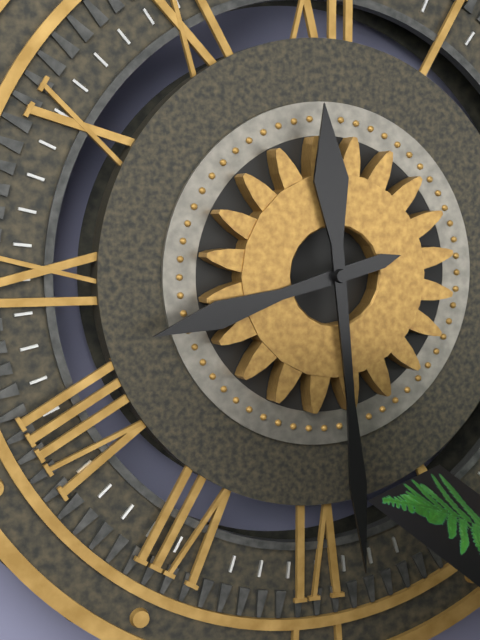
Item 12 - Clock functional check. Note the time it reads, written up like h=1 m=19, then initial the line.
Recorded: h=8 m=29
